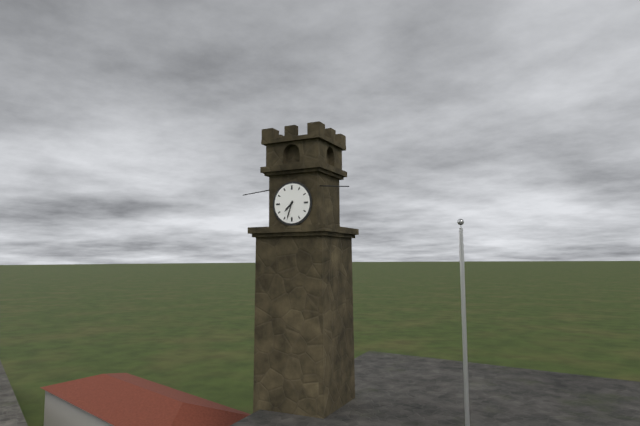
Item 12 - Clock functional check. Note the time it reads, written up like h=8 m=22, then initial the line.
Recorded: h=7 m=33
